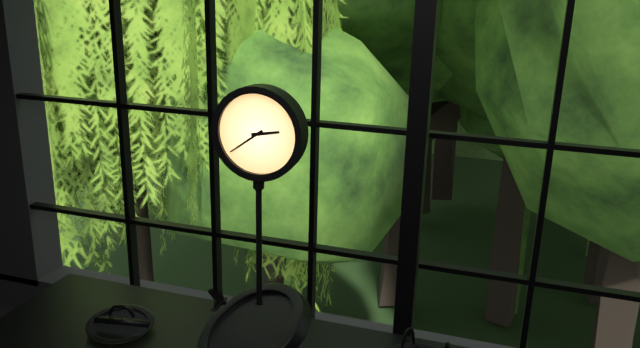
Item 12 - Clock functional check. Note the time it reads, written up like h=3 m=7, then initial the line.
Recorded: h=2 m=39
